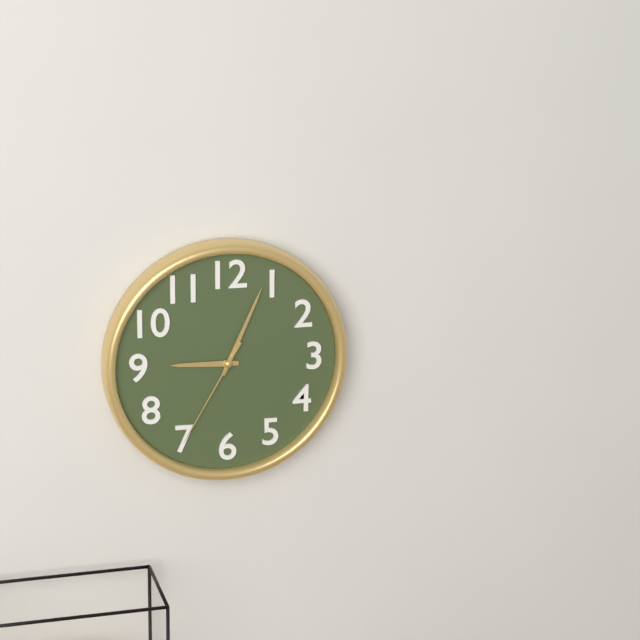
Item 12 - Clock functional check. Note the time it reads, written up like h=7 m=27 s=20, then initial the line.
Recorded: h=9 m=4 s=35
